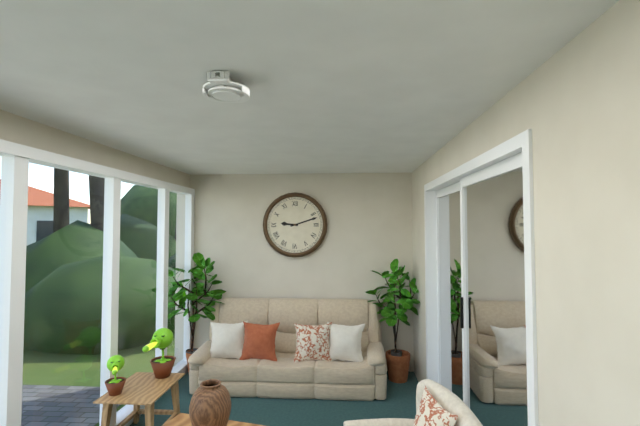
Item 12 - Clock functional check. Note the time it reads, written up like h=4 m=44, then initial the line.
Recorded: h=9 m=12
